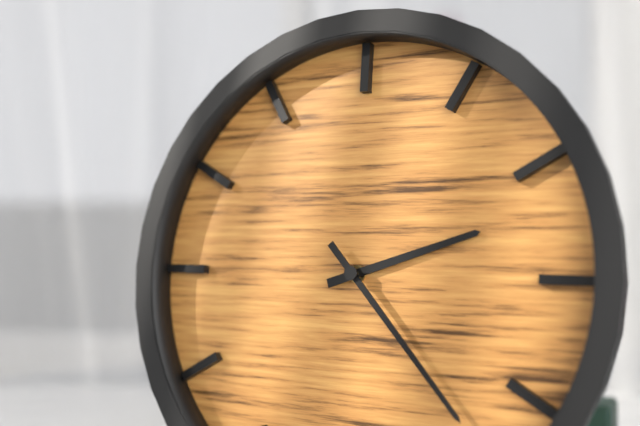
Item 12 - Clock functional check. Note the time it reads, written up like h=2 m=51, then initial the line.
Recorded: h=2 m=23
